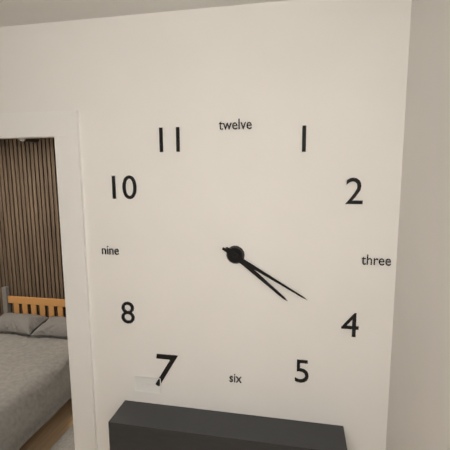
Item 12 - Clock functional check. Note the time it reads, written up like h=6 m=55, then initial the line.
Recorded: h=4 m=20
